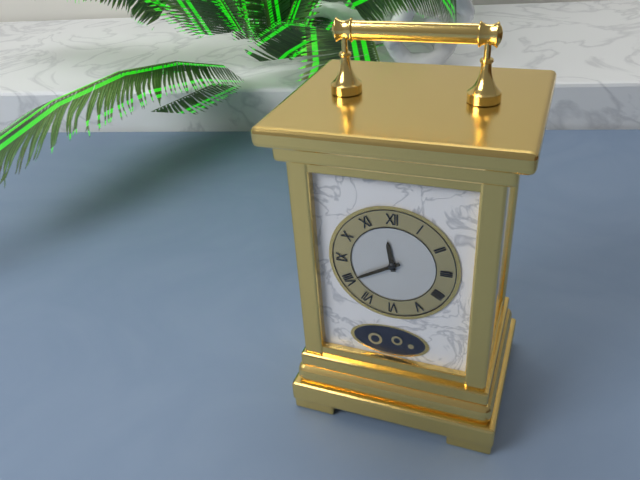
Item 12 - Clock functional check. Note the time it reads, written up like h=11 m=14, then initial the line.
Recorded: h=11 m=40
